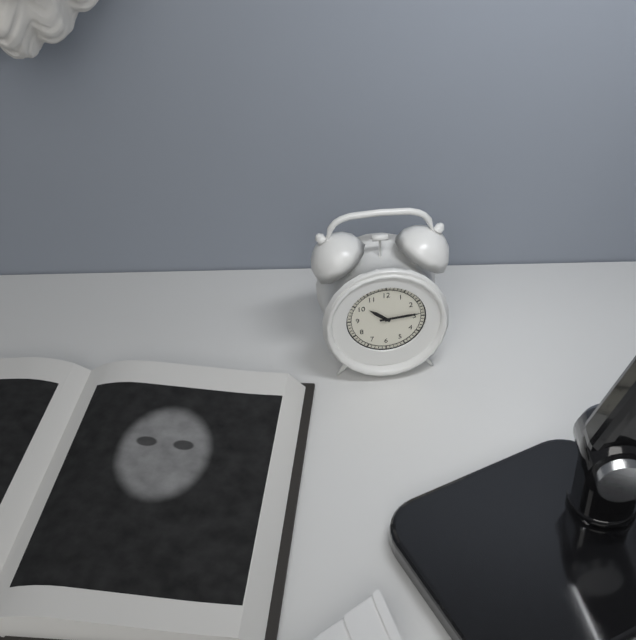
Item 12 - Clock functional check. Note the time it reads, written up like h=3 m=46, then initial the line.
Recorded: h=10 m=14
